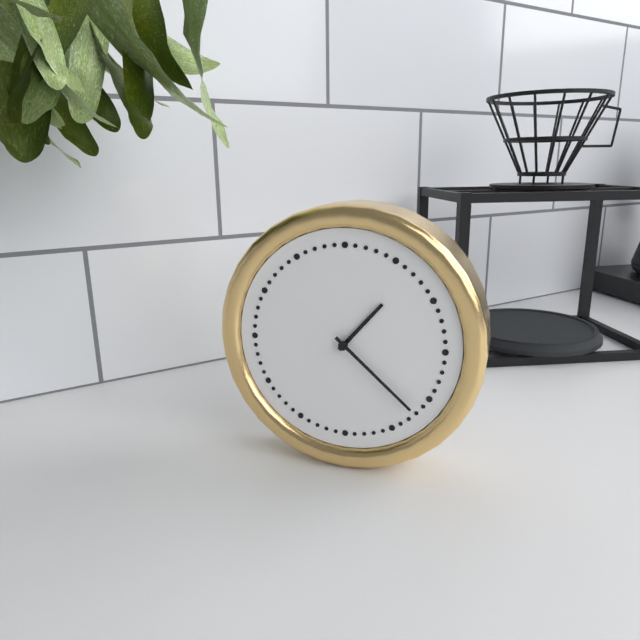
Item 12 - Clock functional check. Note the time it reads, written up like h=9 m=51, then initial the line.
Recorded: h=1 m=22
